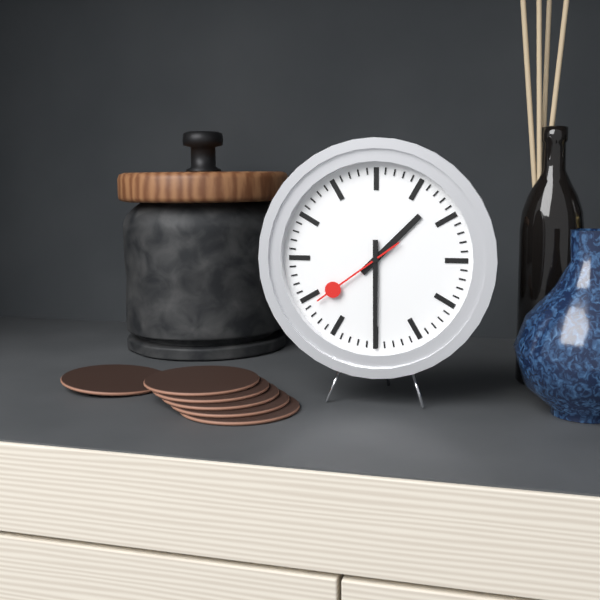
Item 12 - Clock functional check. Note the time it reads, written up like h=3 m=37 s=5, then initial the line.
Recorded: h=1 m=30 s=39
